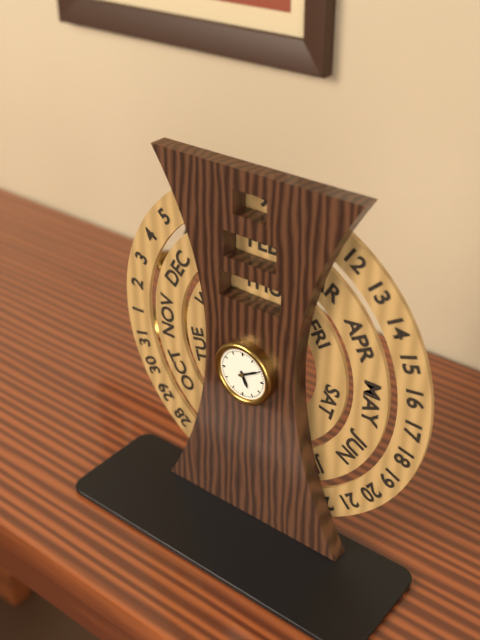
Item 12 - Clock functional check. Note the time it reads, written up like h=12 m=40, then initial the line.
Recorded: h=5 m=10
